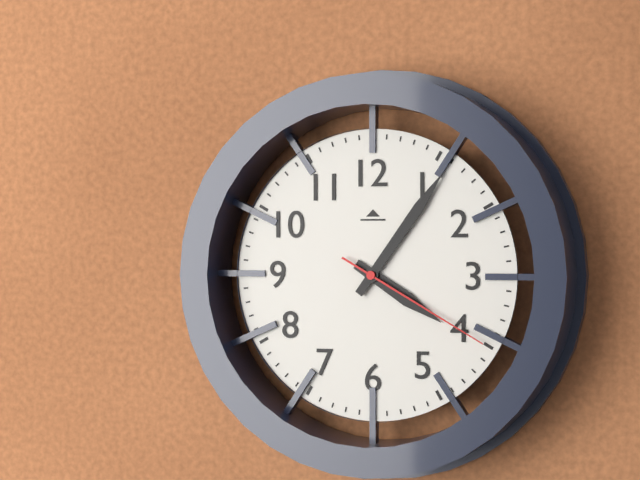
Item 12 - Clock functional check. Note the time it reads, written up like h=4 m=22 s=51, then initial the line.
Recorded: h=4 m=6 s=20
